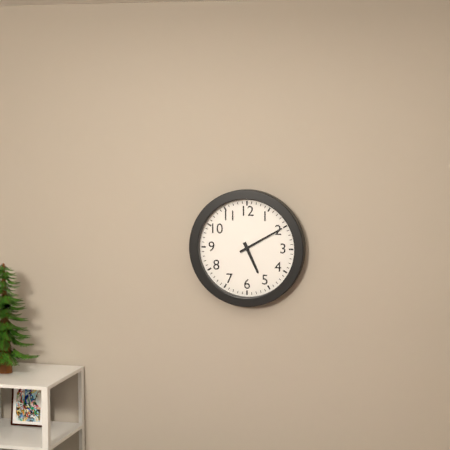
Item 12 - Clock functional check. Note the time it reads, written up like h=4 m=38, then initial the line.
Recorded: h=5 m=10
